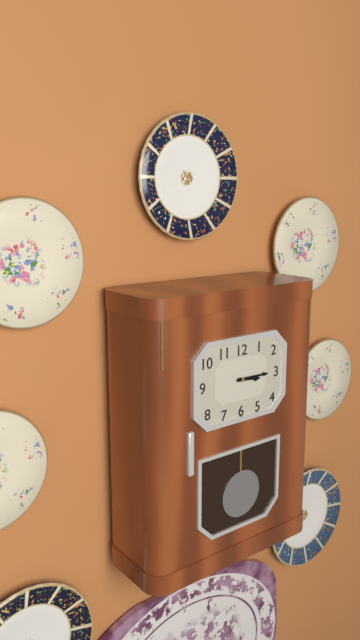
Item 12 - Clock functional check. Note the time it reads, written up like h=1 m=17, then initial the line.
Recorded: h=3 m=15
